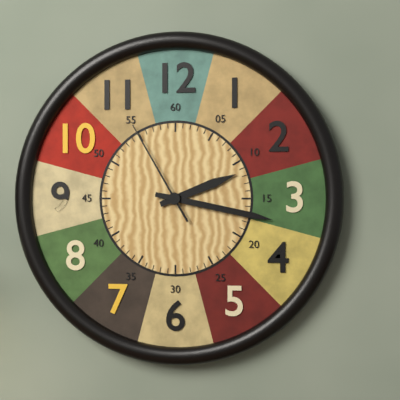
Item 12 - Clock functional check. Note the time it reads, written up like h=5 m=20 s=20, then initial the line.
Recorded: h=2 m=17 s=55
